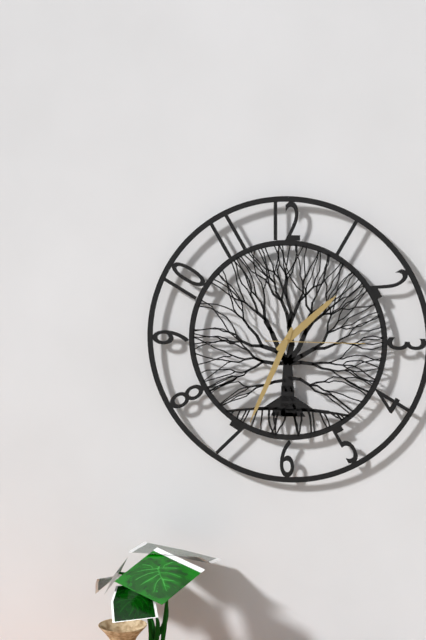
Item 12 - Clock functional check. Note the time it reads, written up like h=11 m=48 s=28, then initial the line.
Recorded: h=1 m=34 s=15
